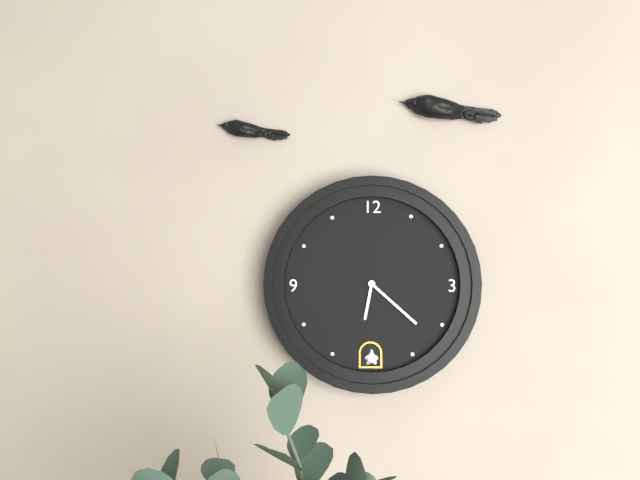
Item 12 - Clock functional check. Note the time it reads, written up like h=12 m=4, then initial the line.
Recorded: h=6 m=22
